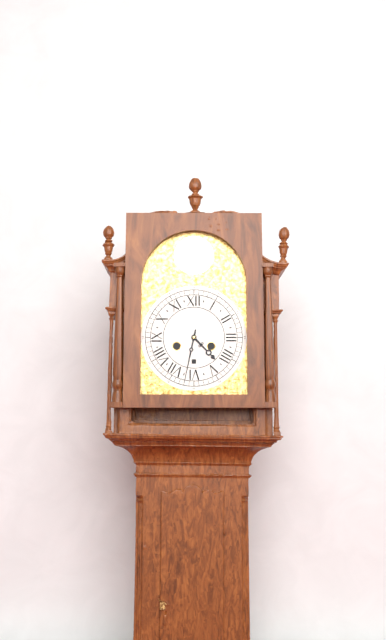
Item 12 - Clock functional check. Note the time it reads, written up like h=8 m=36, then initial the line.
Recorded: h=4 m=32
